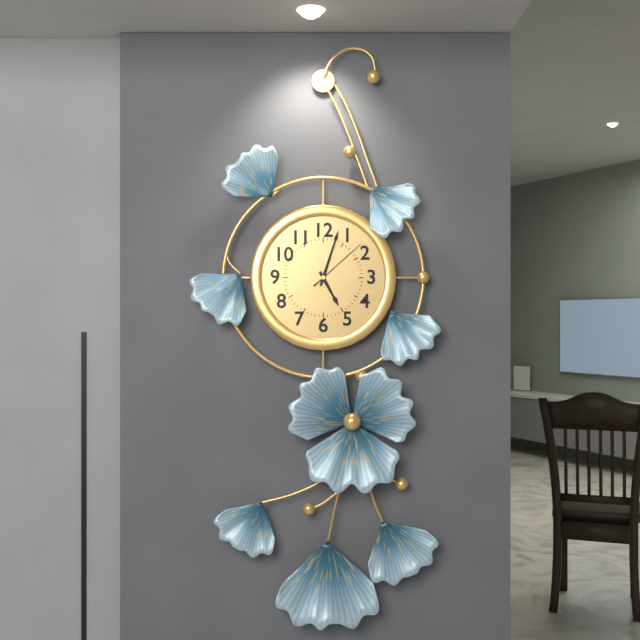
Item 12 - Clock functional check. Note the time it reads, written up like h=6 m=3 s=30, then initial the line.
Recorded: h=5 m=3 s=8
